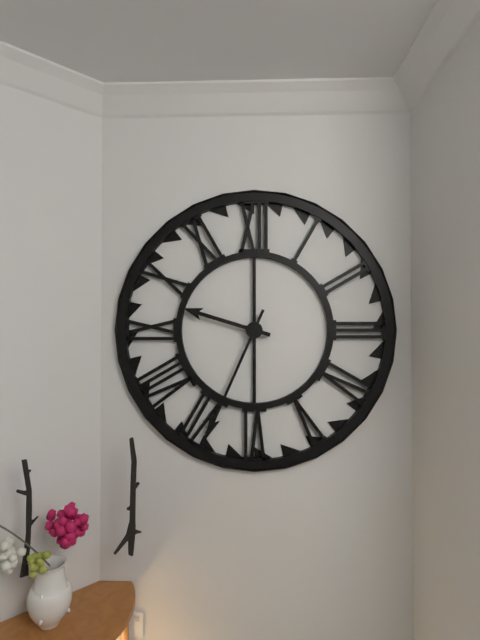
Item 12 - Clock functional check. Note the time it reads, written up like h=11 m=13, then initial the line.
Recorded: h=9 m=34
